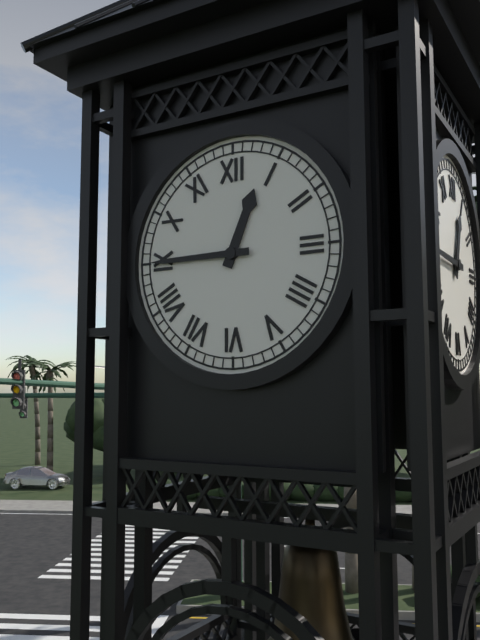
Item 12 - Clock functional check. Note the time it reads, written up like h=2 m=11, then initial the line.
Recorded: h=12 m=45
